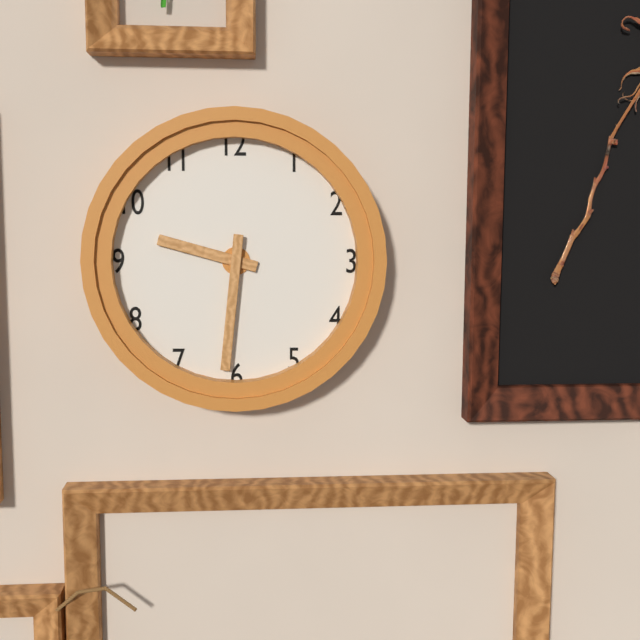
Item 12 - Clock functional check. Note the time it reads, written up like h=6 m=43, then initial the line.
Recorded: h=9 m=31
